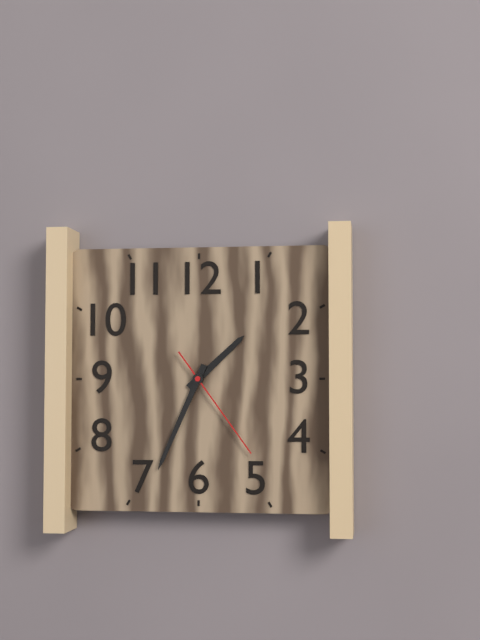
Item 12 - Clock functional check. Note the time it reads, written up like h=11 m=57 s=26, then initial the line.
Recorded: h=1 m=34 s=24
